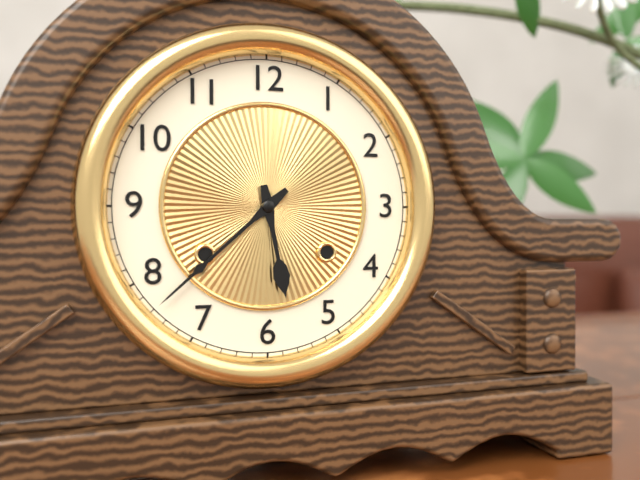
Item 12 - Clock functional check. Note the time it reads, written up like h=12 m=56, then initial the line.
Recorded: h=5 m=38
